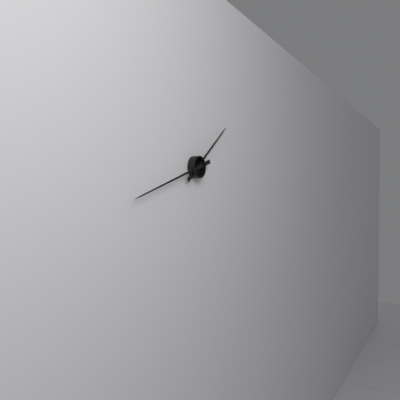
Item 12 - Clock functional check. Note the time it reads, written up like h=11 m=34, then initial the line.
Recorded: h=1 m=42
